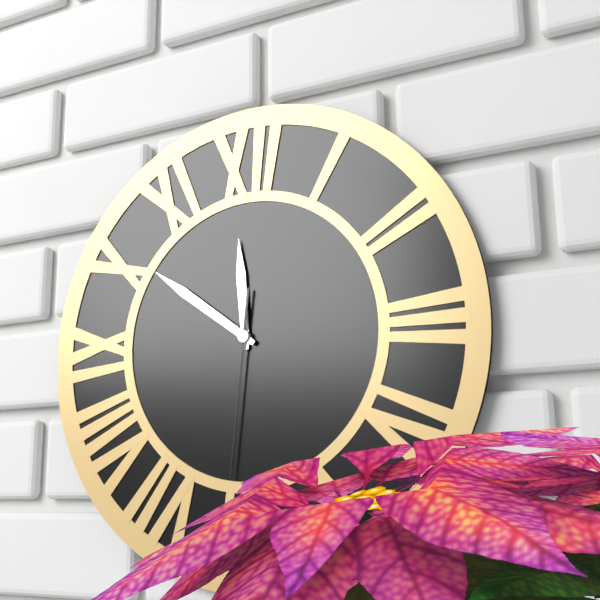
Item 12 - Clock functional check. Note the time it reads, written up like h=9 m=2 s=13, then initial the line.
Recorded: h=11 m=51 s=31
